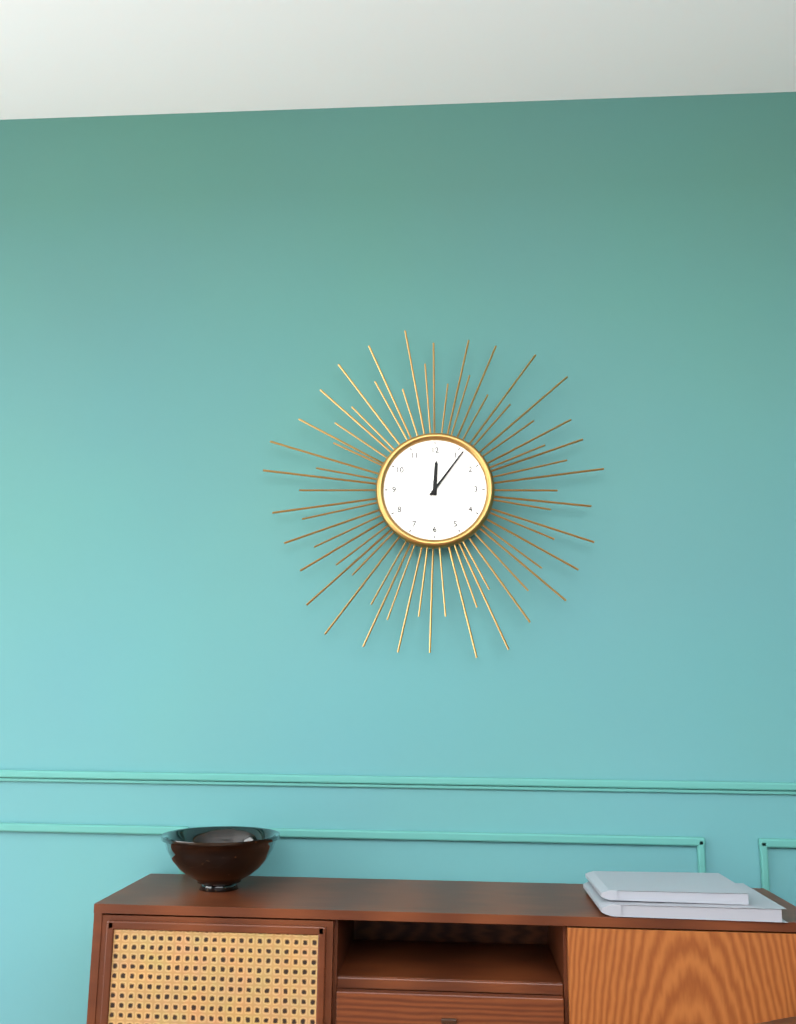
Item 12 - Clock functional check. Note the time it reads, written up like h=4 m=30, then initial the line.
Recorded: h=12 m=6
